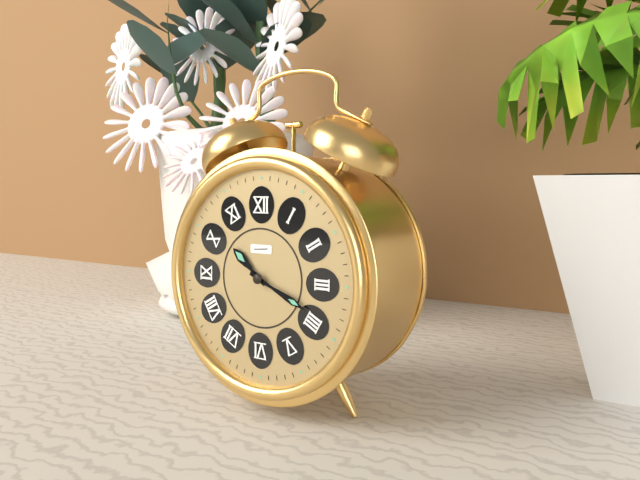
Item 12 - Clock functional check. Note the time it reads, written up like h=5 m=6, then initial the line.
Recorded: h=10 m=19
